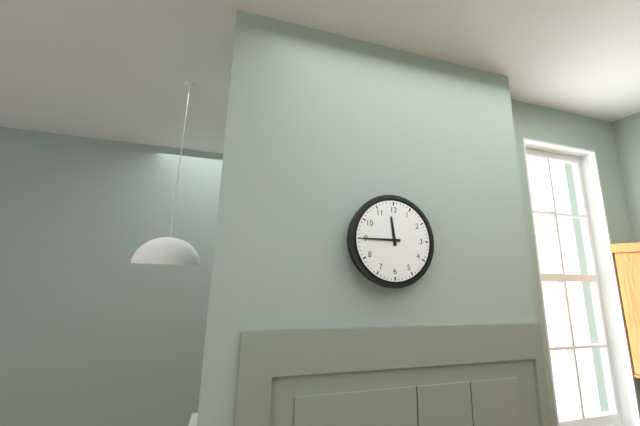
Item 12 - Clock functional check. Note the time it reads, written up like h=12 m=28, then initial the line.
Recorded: h=11 m=45
